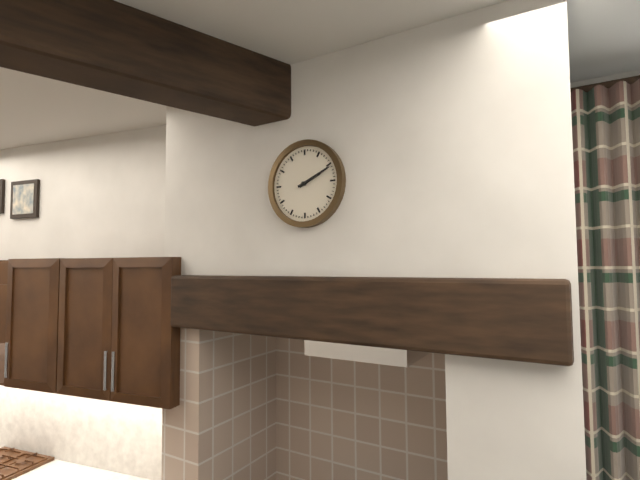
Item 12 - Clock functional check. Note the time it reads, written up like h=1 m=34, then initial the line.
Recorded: h=2 m=11
